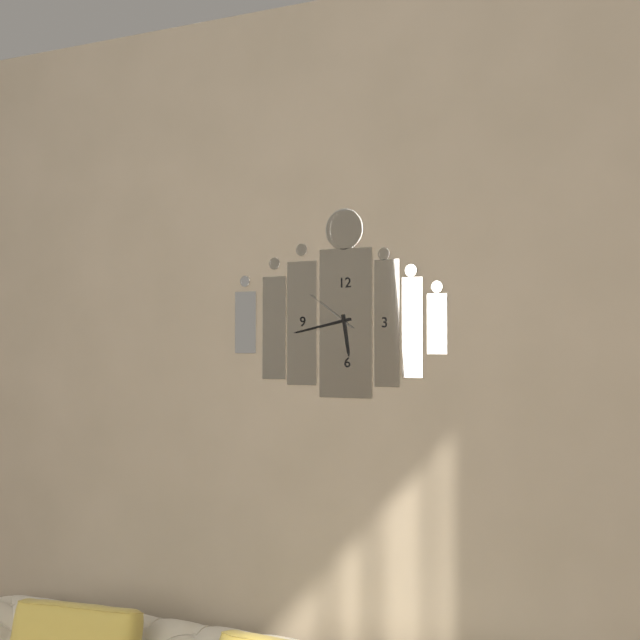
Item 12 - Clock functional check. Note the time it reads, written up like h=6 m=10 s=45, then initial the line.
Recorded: h=5 m=43 s=51
